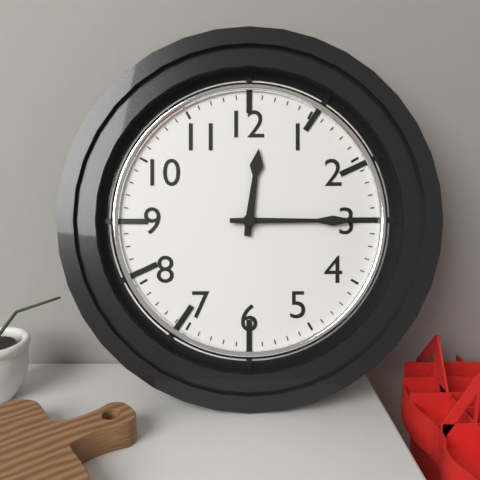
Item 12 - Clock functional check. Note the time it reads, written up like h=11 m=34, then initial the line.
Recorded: h=12 m=15
